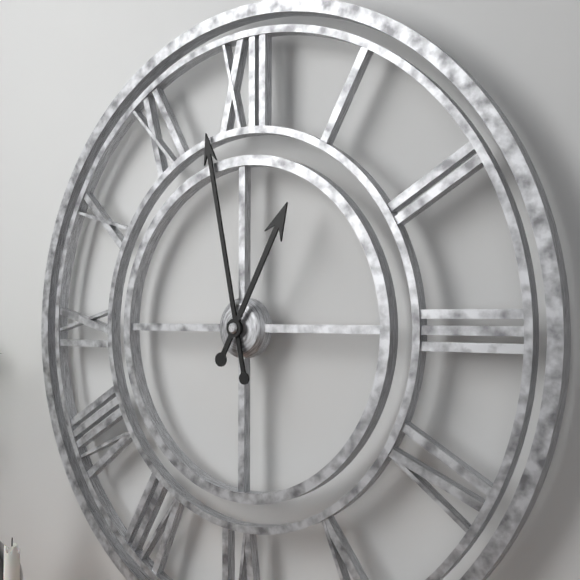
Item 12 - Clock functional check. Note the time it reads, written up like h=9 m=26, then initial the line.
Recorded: h=12 m=58
